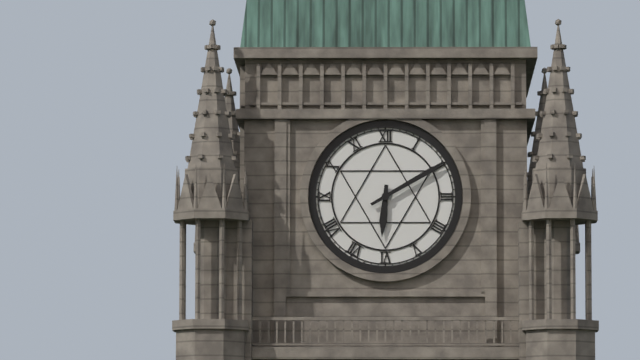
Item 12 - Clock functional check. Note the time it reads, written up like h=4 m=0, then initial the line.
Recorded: h=6 m=10
